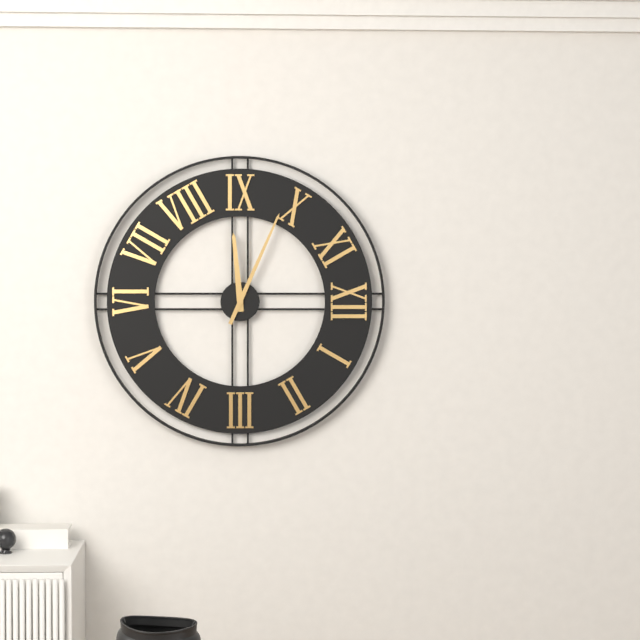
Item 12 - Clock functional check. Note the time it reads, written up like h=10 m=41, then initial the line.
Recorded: h=8 m=49
